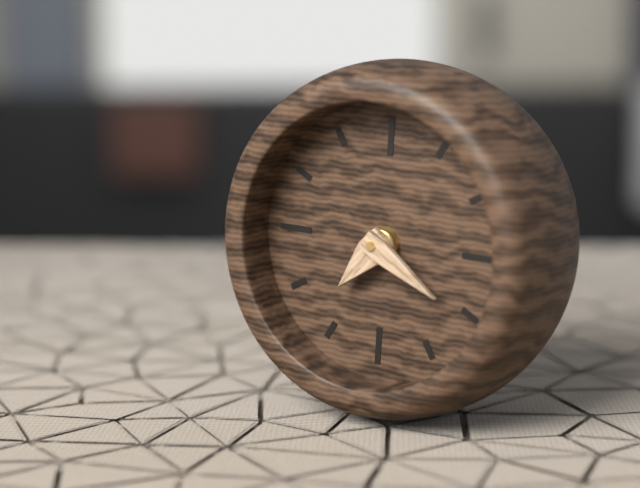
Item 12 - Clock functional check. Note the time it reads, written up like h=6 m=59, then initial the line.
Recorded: h=7 m=20
